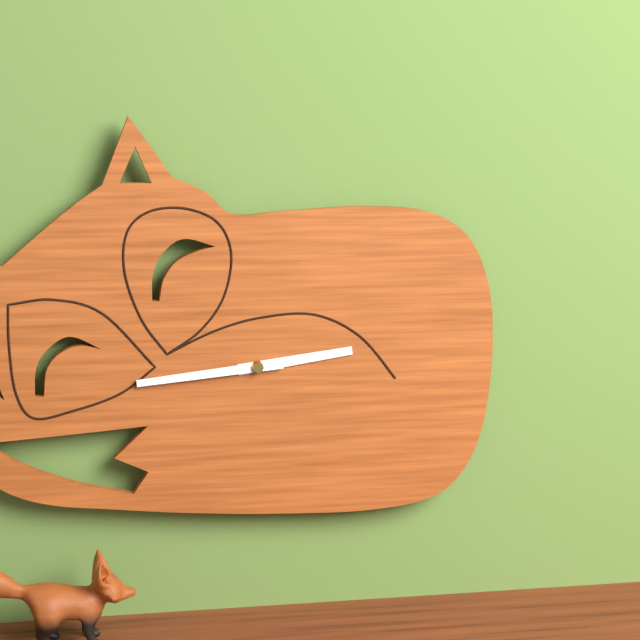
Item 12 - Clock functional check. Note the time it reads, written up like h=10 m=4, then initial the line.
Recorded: h=2 m=44
